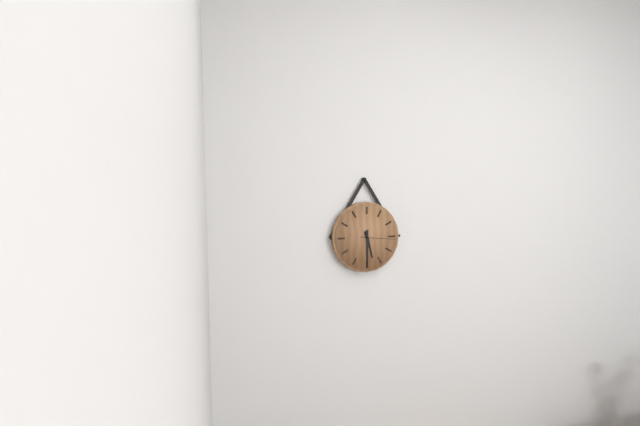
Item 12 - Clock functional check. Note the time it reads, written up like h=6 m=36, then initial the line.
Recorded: h=5 m=30
